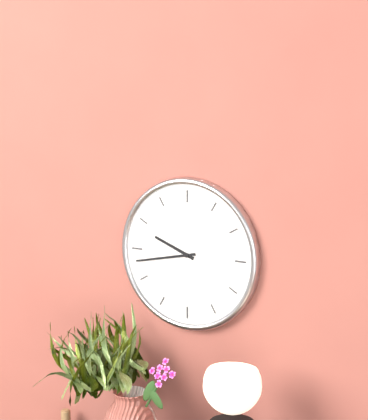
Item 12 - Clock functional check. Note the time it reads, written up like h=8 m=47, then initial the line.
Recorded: h=9 m=43
